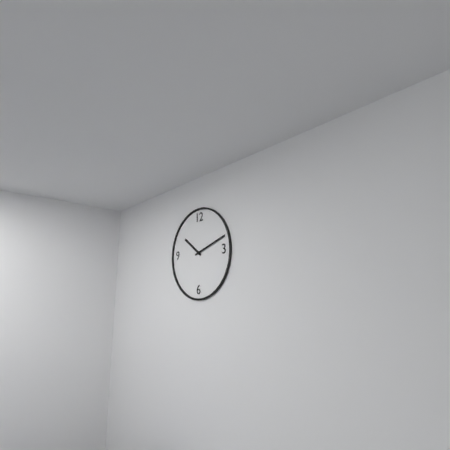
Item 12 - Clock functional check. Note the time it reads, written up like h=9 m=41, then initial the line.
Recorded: h=10 m=12
